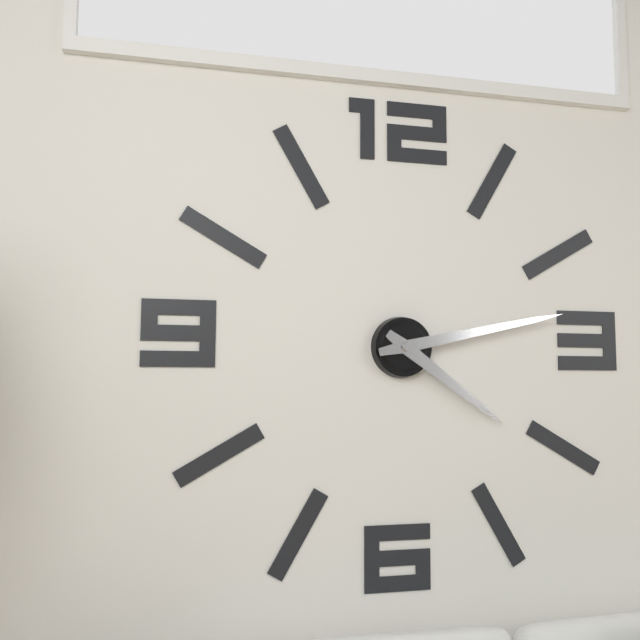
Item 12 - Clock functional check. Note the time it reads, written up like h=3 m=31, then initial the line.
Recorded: h=4 m=13
